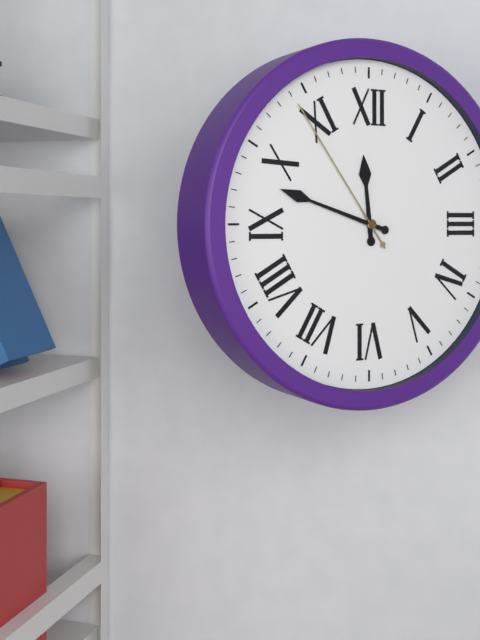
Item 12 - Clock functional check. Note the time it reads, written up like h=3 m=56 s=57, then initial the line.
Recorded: h=11 m=48 s=54
